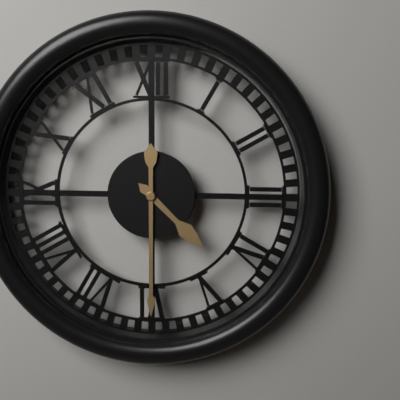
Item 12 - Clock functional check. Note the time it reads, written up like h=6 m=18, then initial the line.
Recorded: h=4 m=30
